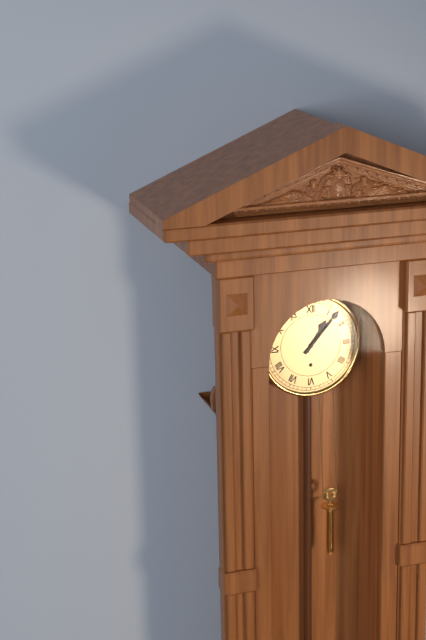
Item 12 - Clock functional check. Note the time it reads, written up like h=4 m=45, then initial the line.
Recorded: h=1 m=7
